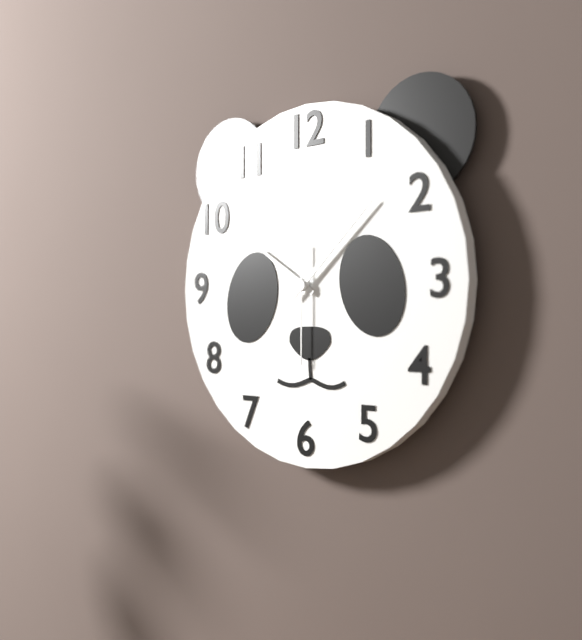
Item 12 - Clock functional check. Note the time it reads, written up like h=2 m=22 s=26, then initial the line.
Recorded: h=10 m=8 s=30
